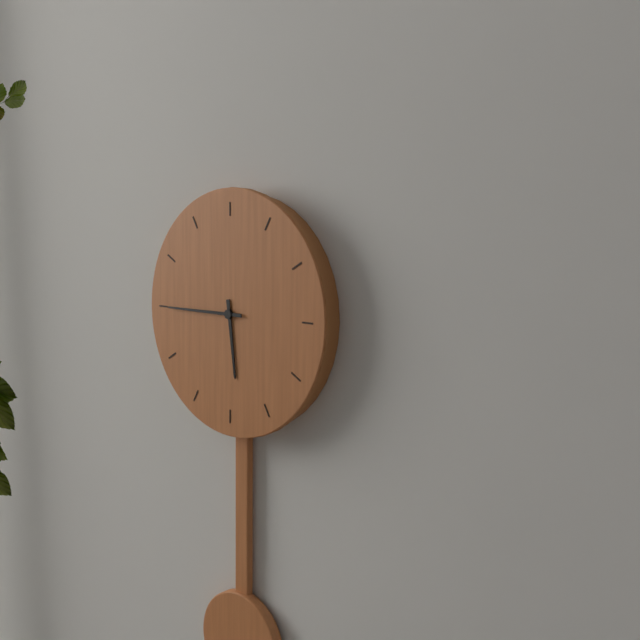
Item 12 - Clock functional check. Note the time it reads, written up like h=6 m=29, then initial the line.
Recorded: h=5 m=45
